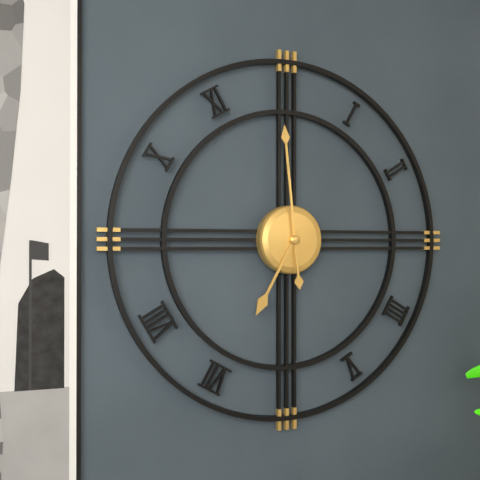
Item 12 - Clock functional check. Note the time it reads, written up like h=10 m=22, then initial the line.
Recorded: h=6 m=59
